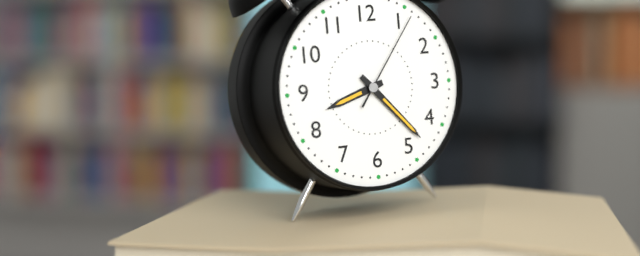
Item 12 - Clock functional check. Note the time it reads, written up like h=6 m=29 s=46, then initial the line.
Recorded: h=8 m=23 s=6
